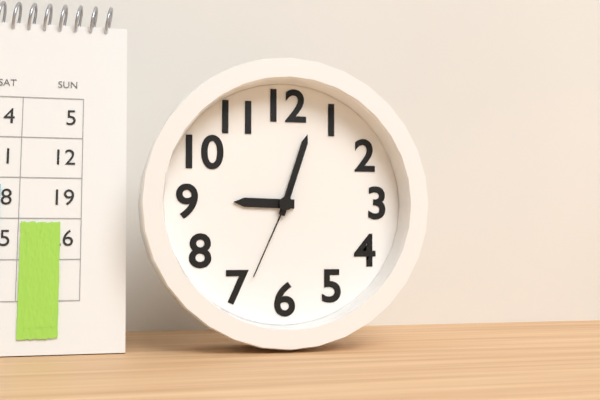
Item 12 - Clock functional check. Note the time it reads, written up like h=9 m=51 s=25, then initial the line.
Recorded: h=9 m=3 s=34
